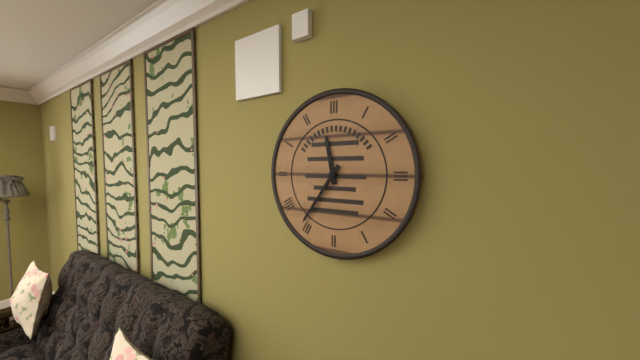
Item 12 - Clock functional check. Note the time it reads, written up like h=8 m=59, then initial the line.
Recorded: h=11 m=36
